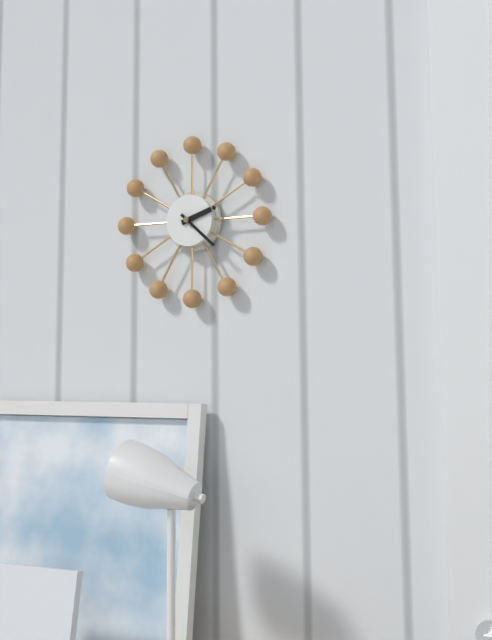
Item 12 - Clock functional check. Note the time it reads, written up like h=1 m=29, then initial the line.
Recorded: h=2 m=22
